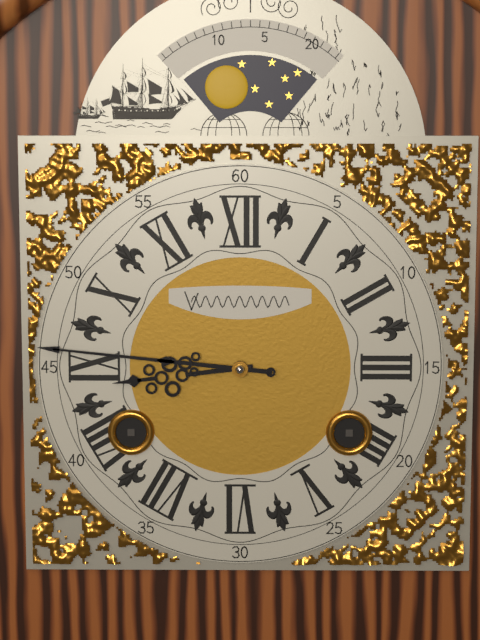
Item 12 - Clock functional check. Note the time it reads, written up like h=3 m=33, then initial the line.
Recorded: h=8 m=46
